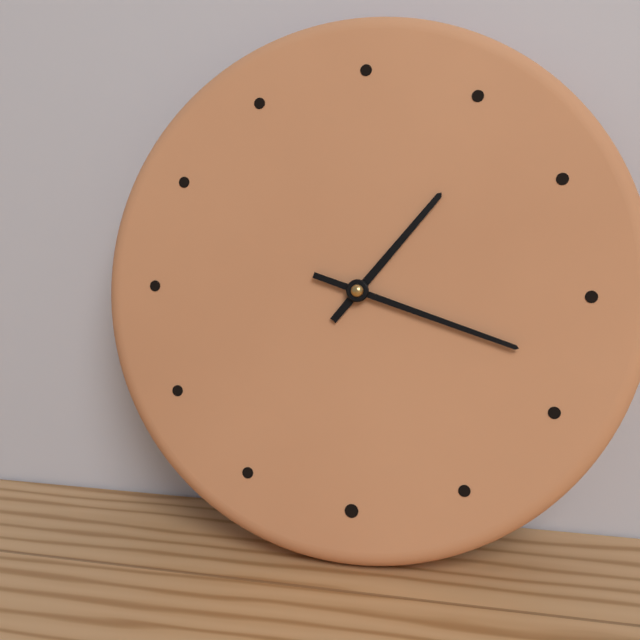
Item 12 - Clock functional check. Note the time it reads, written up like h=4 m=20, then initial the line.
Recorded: h=1 m=18
